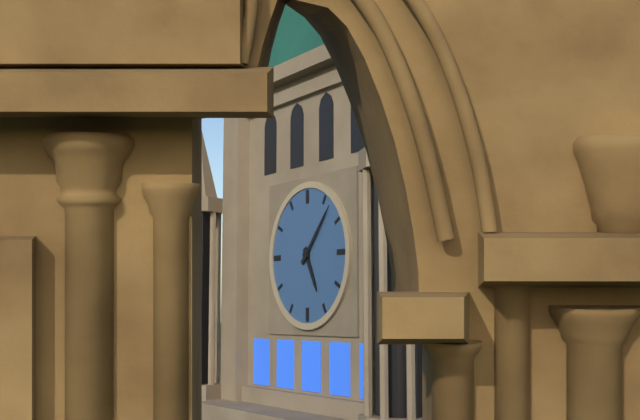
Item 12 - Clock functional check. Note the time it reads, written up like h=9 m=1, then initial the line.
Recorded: h=5 m=7
